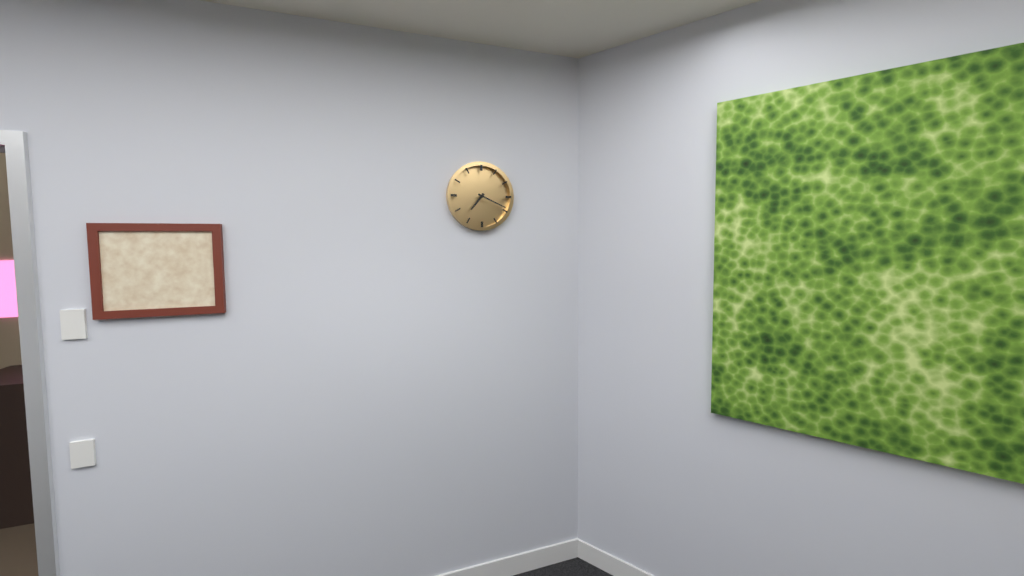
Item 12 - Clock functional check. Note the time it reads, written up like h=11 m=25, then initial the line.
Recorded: h=7 m=19
